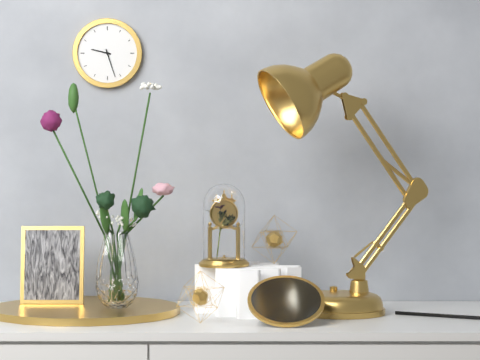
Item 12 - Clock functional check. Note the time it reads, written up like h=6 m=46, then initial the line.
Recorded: h=9 m=27
